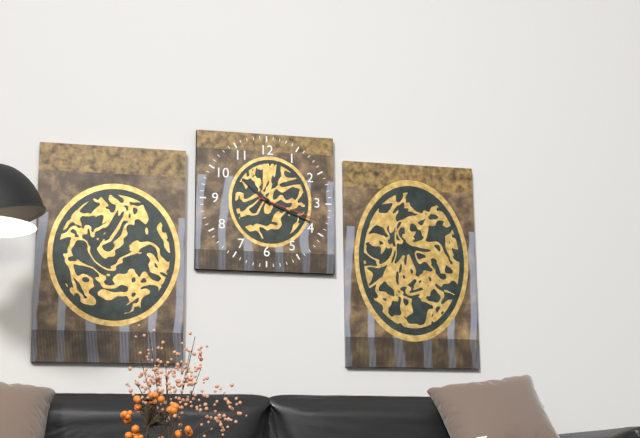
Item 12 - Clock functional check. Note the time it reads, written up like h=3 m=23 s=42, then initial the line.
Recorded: h=10 m=19 s=18
